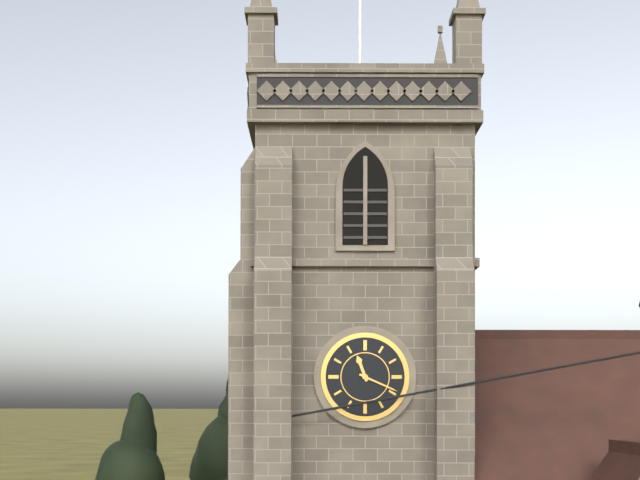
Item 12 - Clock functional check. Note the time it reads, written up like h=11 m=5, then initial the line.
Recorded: h=11 m=19
